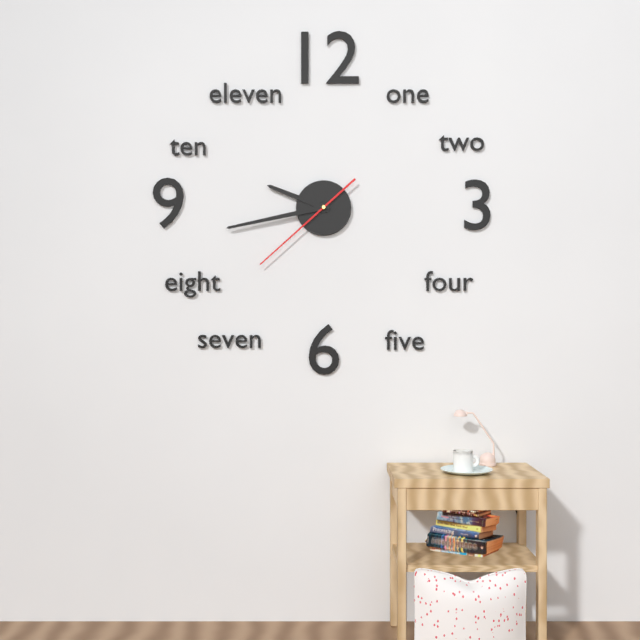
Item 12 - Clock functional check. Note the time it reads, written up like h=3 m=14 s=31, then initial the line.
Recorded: h=9 m=43 s=38
